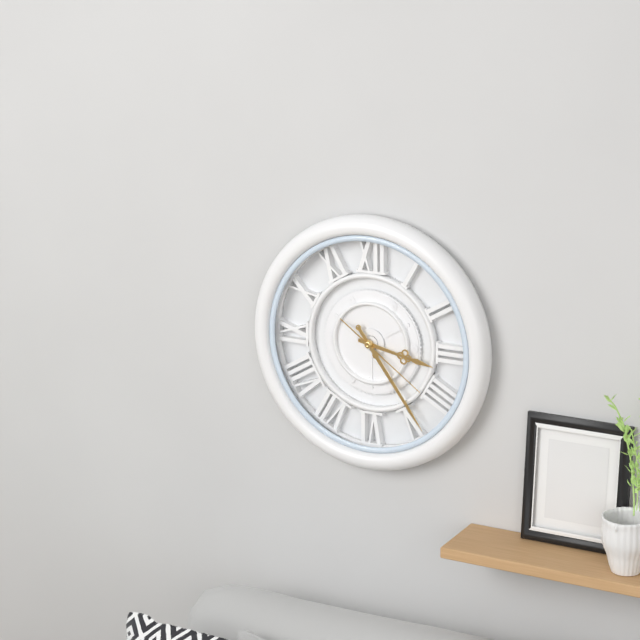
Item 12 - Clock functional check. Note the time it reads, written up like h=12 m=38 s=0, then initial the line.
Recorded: h=3 m=24 s=21
